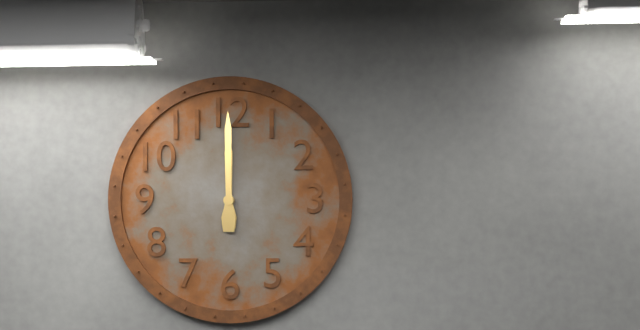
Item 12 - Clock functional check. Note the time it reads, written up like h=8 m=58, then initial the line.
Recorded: h=12 m=0
